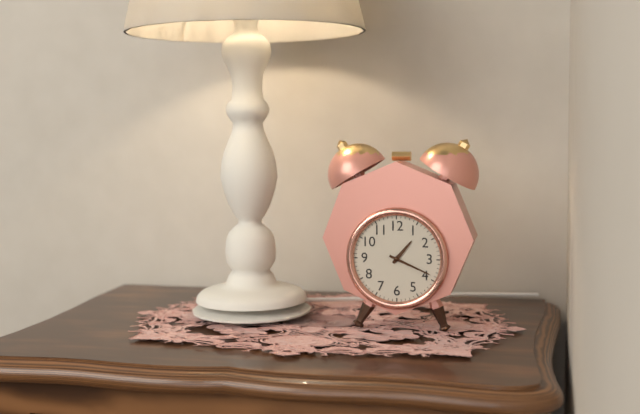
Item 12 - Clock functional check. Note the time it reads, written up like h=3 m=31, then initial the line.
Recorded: h=1 m=19
